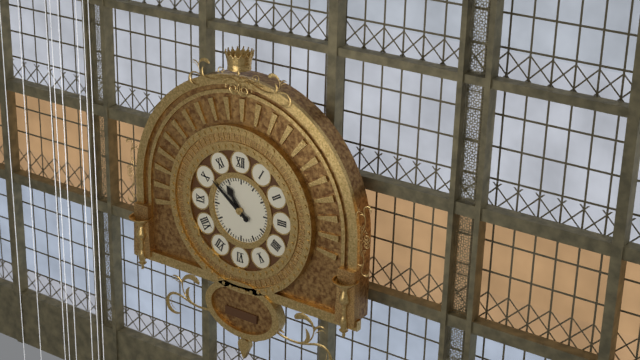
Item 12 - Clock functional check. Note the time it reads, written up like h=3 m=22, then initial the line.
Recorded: h=10 m=51
